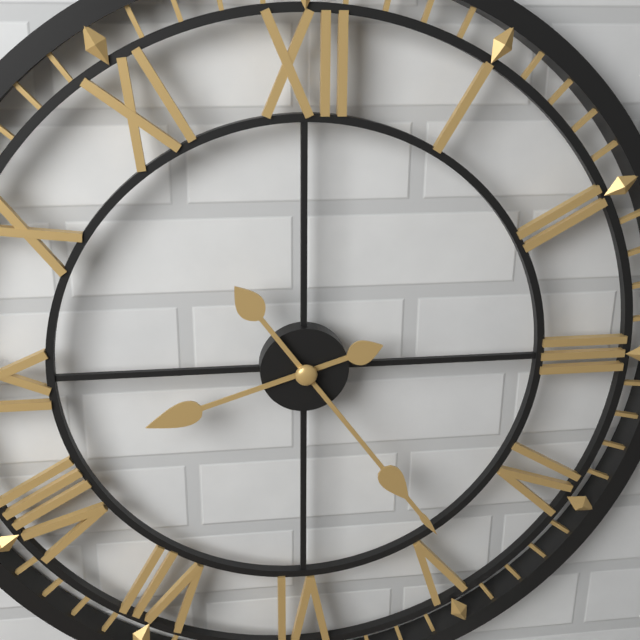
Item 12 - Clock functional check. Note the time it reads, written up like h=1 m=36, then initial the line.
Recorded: h=8 m=24
